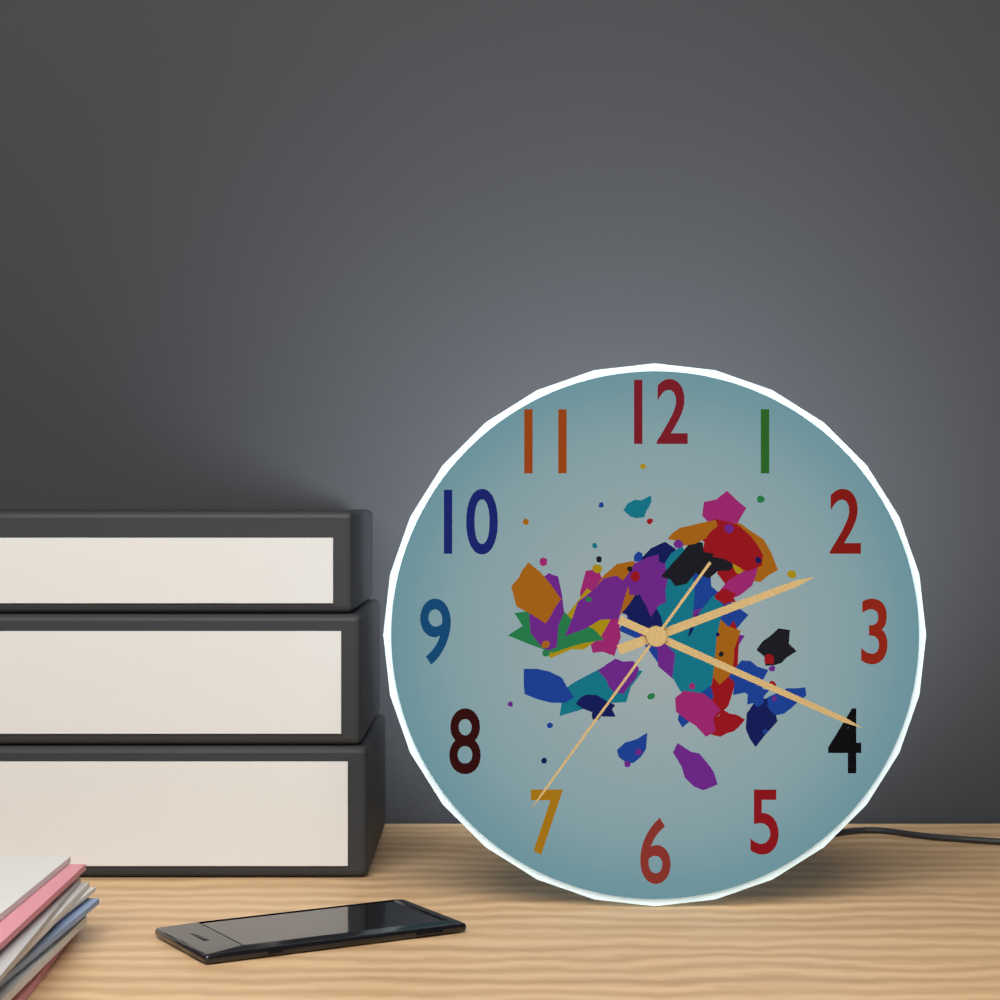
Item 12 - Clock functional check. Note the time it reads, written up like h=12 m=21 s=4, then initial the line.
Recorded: h=2 m=19 s=36
